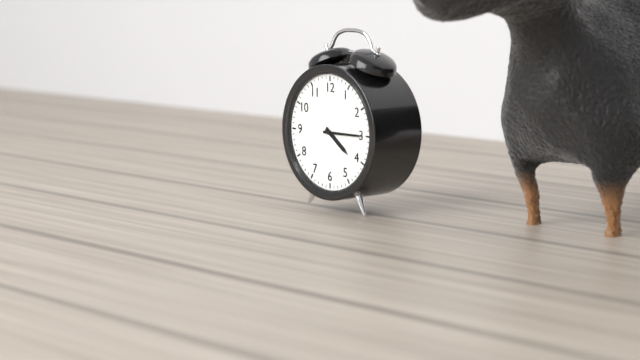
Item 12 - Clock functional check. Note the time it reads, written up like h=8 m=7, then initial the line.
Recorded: h=4 m=15
